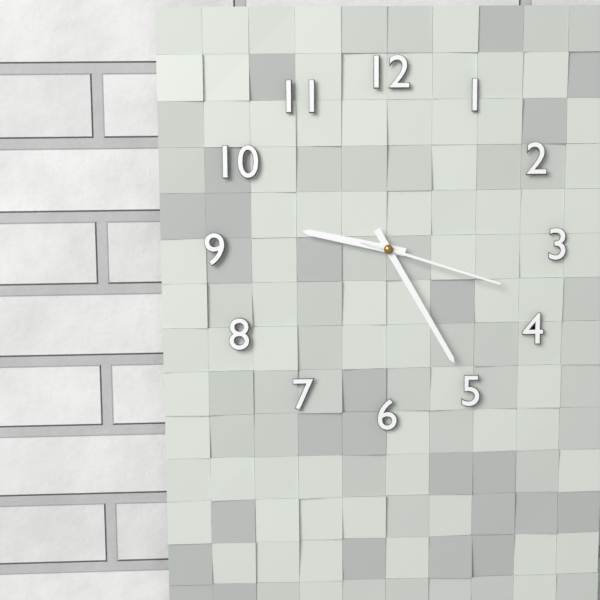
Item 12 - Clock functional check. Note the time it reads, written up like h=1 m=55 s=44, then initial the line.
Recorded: h=9 m=25 s=18
